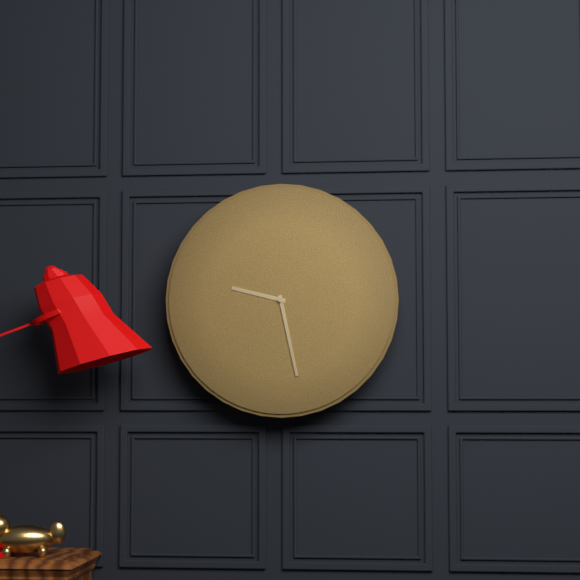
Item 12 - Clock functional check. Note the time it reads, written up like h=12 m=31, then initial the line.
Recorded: h=9 m=28
